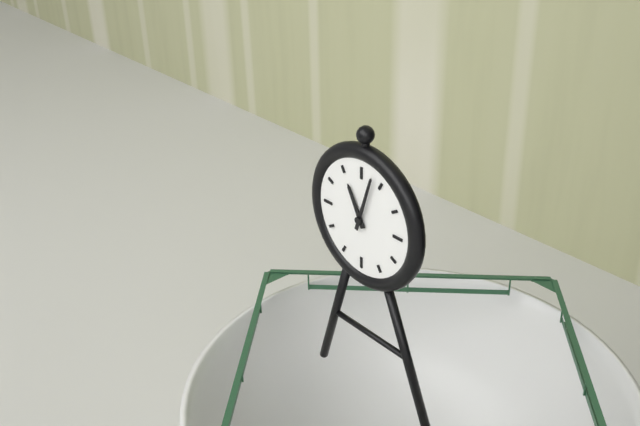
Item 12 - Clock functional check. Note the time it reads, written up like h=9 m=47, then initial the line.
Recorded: h=11 m=3
